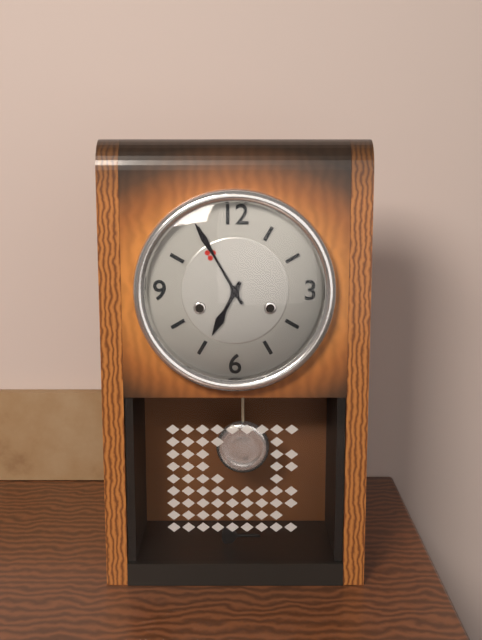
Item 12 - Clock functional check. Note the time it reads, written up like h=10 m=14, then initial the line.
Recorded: h=6 m=55
